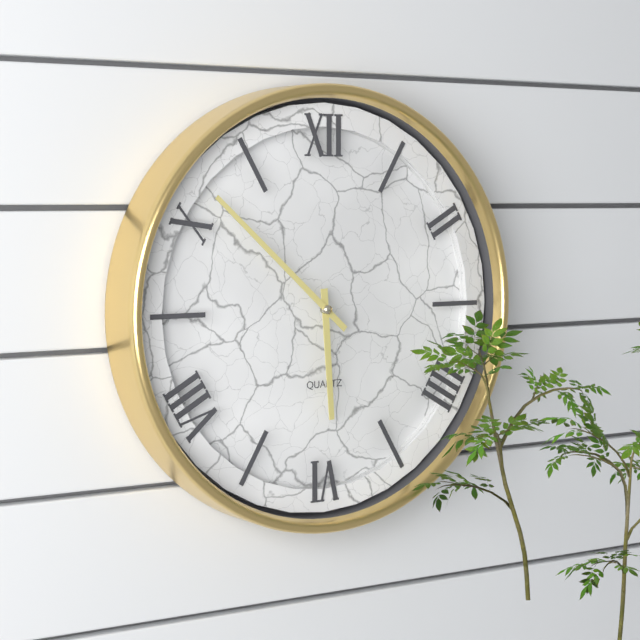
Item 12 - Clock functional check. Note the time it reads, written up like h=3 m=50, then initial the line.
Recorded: h=5 m=52
